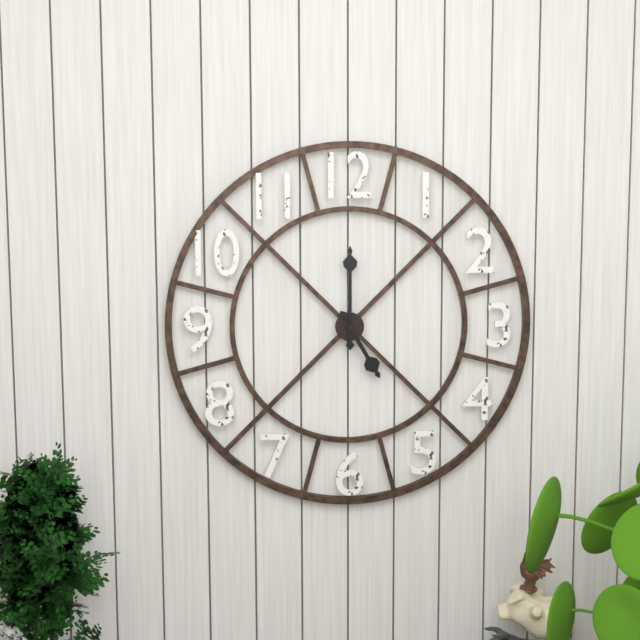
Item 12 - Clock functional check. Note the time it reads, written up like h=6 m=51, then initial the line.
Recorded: h=5 m=0
